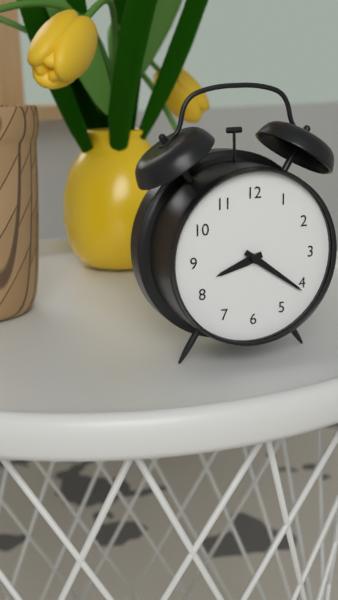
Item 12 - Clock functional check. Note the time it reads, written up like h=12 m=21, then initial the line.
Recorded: h=8 m=21
